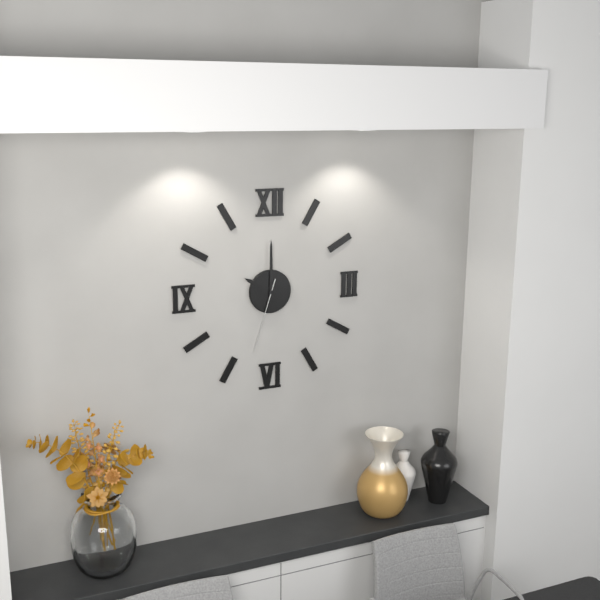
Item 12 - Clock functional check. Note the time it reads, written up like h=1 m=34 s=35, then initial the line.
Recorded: h=10 m=0 s=33
